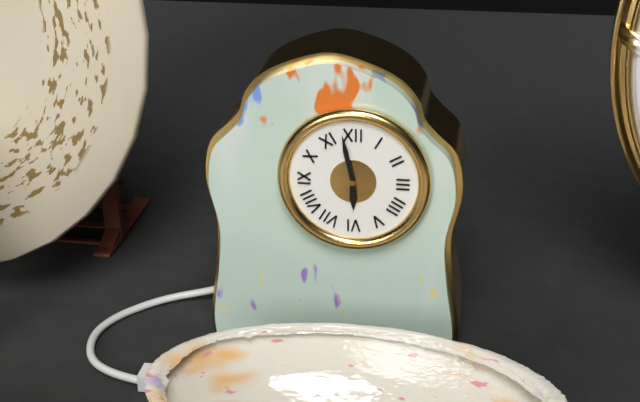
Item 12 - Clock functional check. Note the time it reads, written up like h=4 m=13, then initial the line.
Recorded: h=5 m=58
